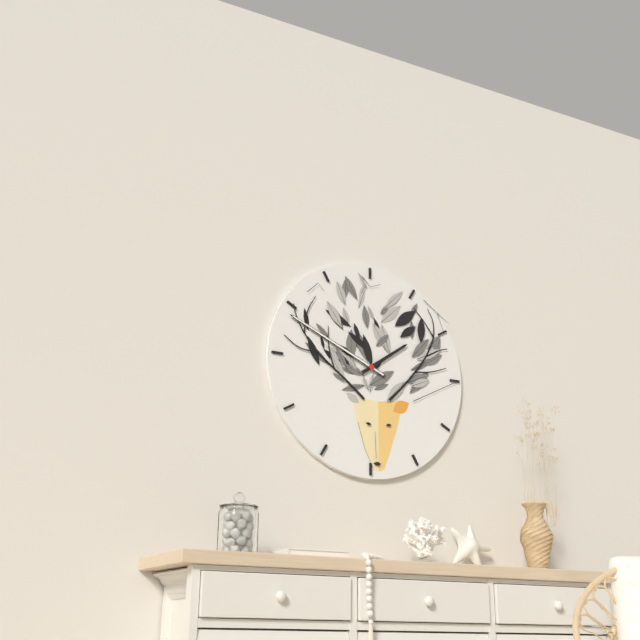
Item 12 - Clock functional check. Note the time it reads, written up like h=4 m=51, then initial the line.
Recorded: h=1 m=49
